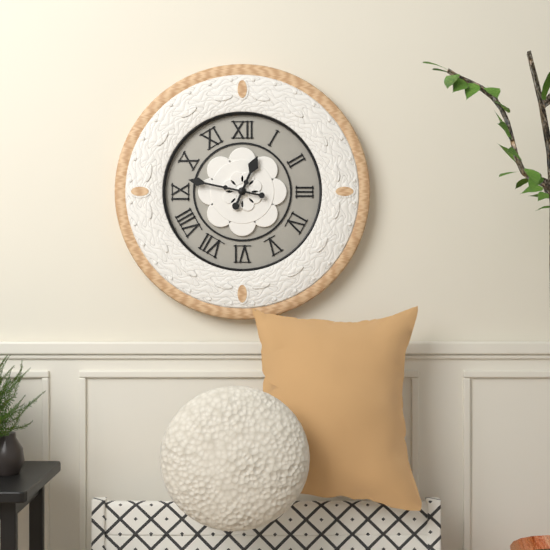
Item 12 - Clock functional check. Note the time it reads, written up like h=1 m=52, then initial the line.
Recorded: h=12 m=47
